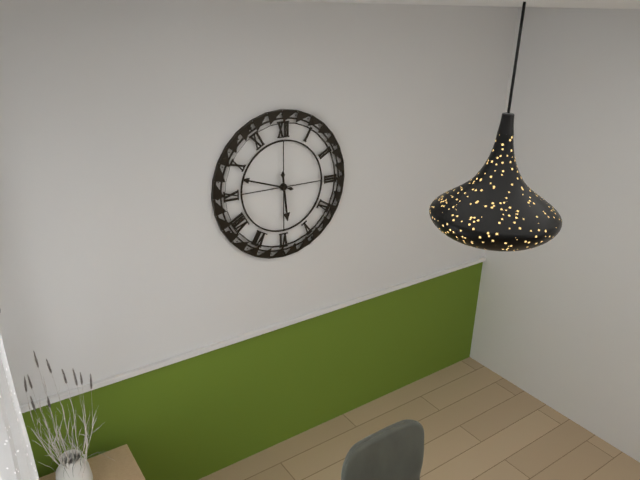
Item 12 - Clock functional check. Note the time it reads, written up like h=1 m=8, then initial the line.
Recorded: h=5 m=48
